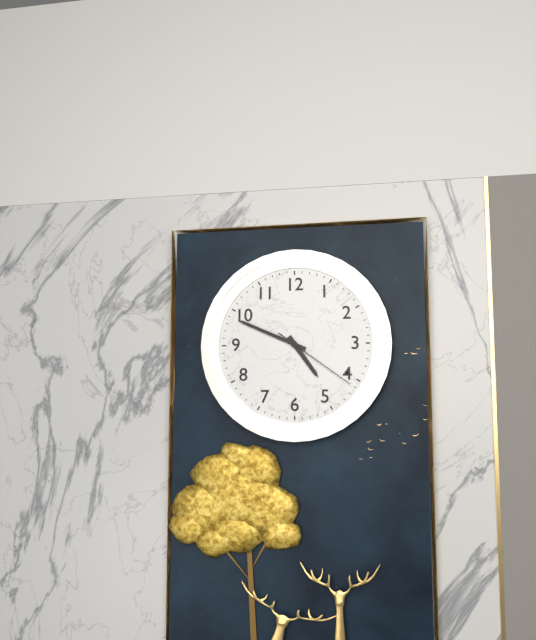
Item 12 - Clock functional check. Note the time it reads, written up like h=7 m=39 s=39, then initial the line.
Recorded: h=4 m=49 s=21
